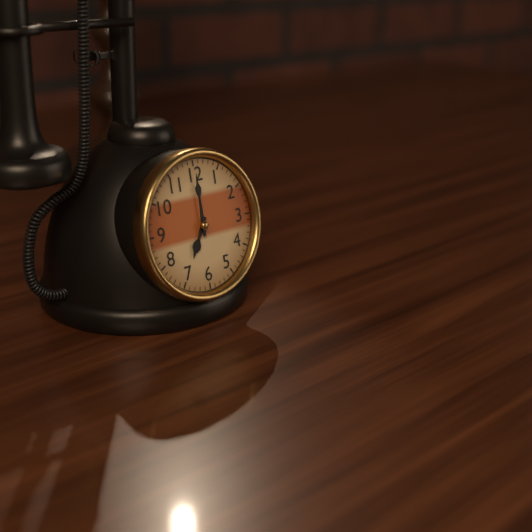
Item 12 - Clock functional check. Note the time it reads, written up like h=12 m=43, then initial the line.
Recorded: h=7 m=0
